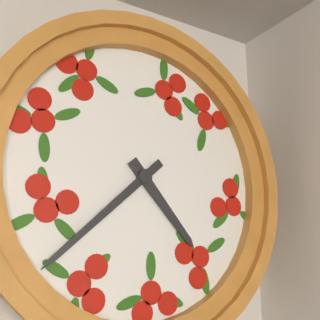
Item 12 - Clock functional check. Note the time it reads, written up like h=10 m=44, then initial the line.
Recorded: h=4 m=38
